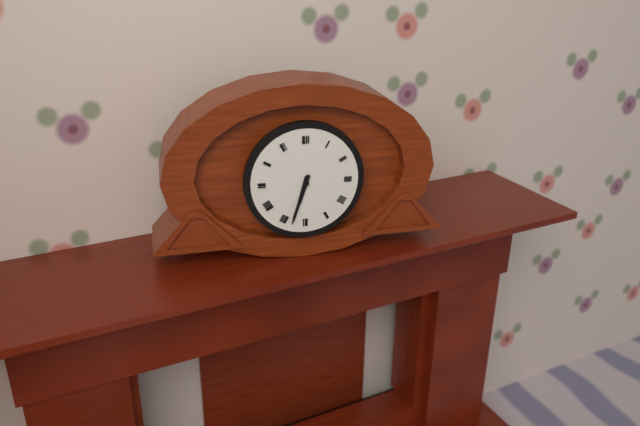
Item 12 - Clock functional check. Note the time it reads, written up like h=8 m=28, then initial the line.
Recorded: h=6 m=33
